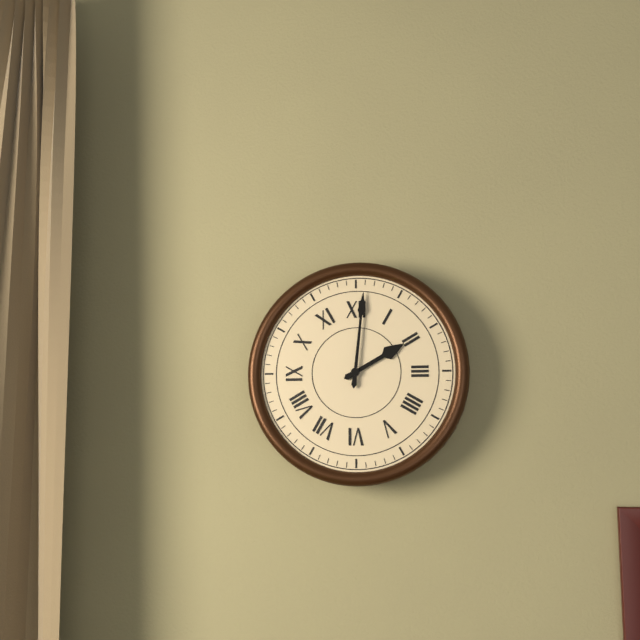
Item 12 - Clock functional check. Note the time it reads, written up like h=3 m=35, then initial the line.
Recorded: h=2 m=1
